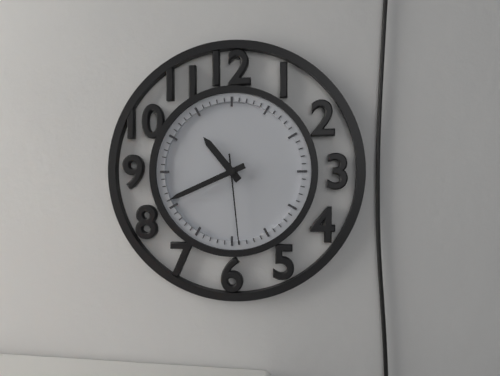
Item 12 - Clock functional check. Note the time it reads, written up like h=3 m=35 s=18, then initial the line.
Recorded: h=10 m=41 s=29
